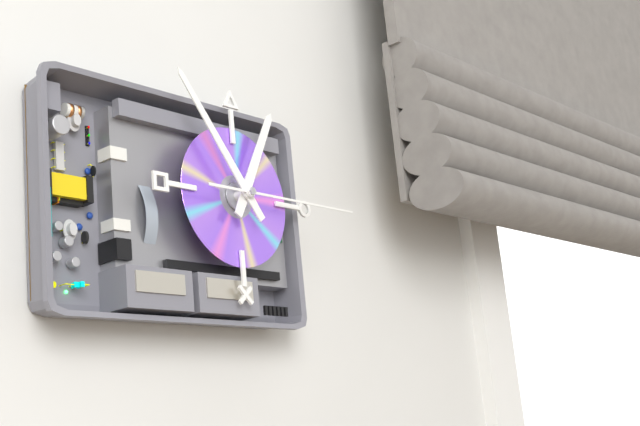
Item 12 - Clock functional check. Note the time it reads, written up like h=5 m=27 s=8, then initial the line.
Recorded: h=12 m=54 s=15
